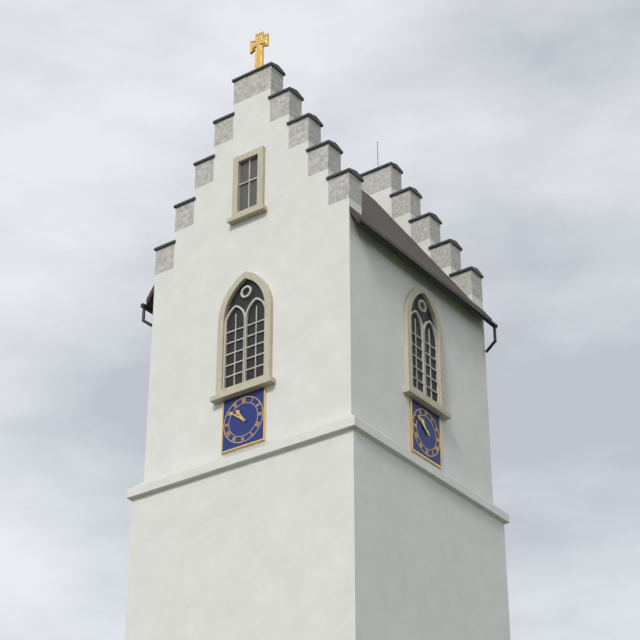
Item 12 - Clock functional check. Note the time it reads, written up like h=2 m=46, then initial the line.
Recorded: h=10 m=51
